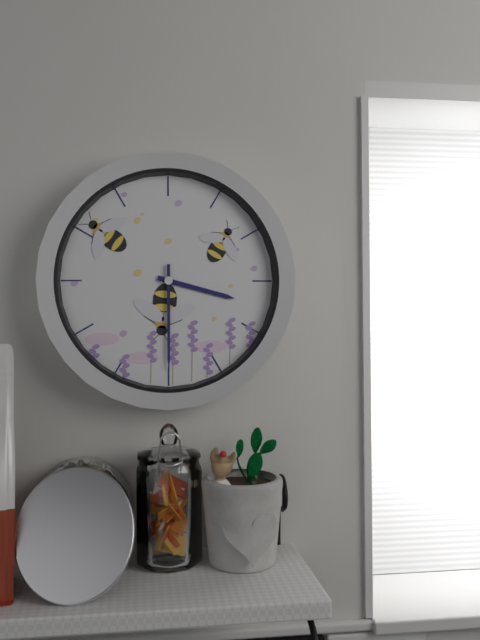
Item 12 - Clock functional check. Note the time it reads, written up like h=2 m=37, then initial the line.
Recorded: h=3 m=30
